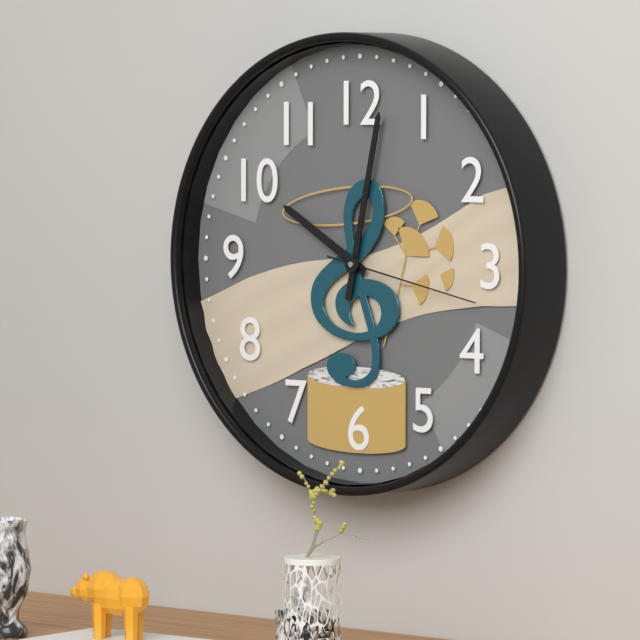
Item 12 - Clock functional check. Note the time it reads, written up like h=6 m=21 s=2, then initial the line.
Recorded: h=10 m=2 s=17
